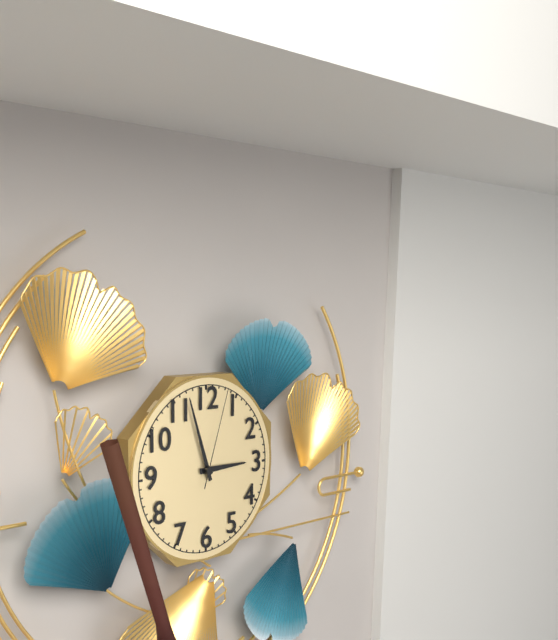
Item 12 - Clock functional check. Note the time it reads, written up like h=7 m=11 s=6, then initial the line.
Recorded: h=2 m=57 s=3
